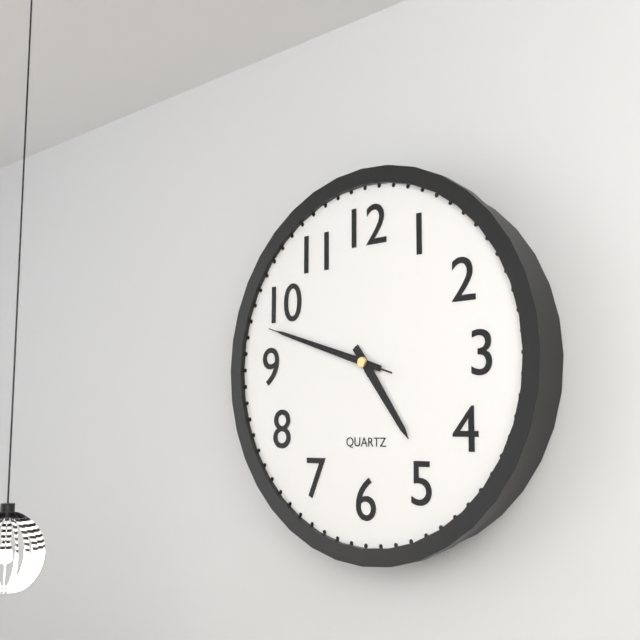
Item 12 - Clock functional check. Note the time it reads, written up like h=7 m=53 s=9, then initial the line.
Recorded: h=4 m=48 s=48
